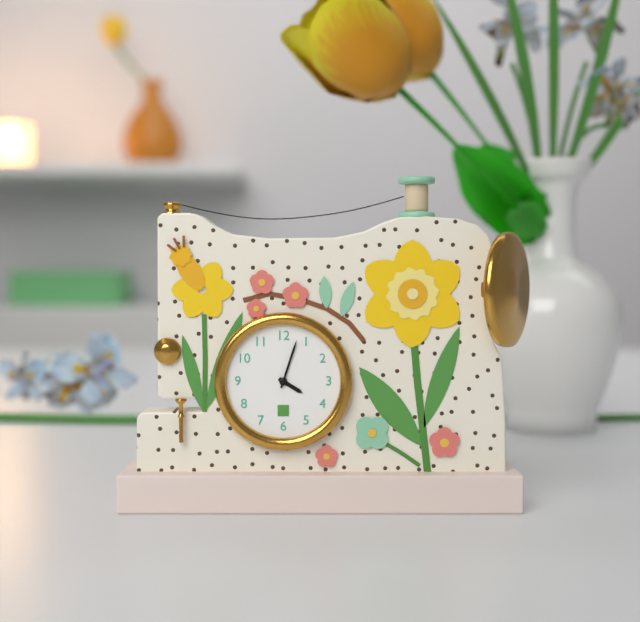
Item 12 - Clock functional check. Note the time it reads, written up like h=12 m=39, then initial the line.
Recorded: h=4 m=3
